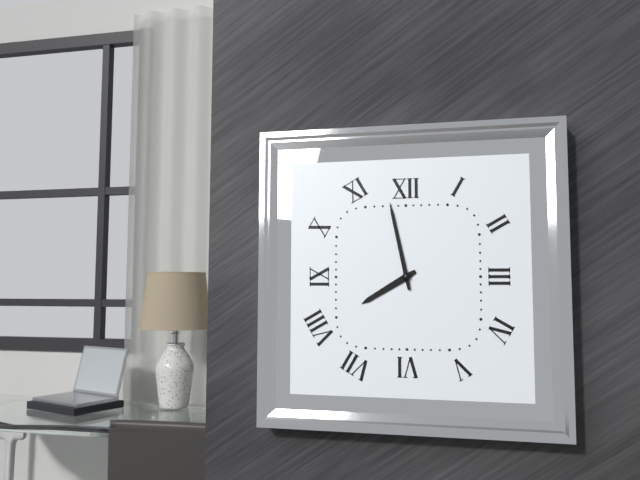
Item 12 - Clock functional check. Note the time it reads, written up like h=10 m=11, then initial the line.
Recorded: h=7 m=58
